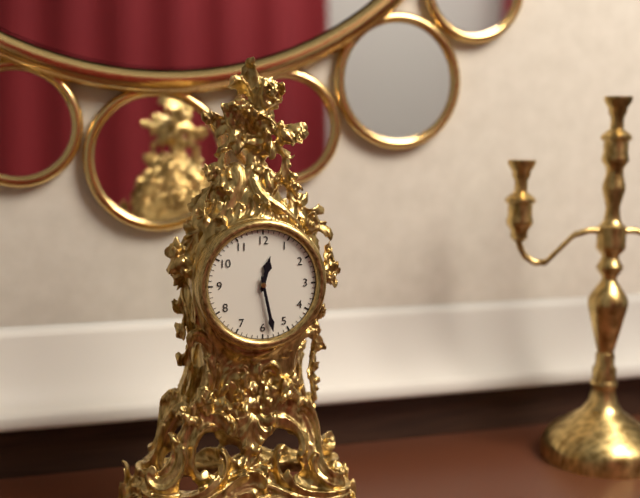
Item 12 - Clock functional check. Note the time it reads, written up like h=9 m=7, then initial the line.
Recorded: h=12 m=28
